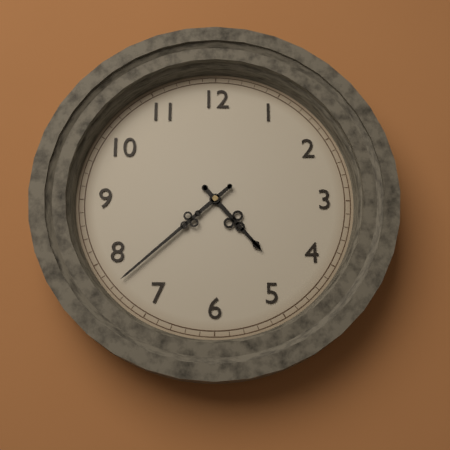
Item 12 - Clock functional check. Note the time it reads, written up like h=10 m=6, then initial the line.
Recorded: h=4 m=38
